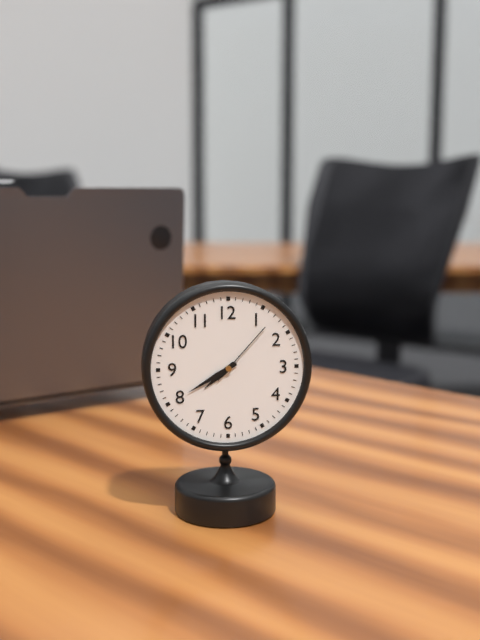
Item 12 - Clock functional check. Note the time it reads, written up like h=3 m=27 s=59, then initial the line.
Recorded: h=7 m=40 s=7
